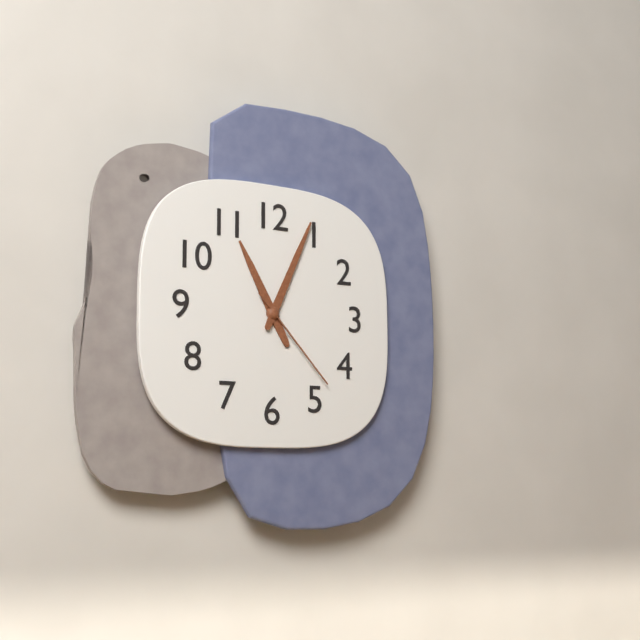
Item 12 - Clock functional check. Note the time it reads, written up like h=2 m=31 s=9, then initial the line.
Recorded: h=11 m=4 s=23
